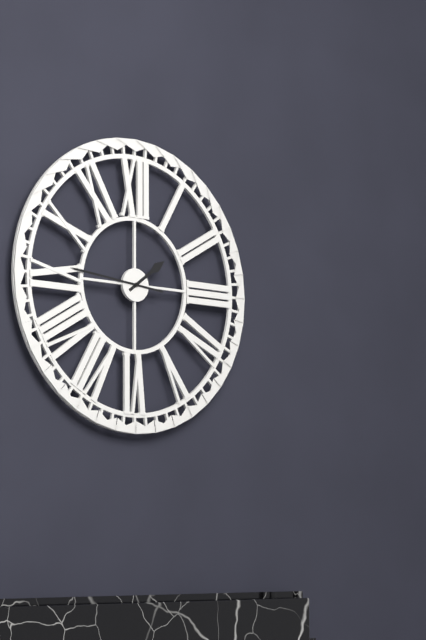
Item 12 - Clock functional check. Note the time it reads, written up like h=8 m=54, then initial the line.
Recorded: h=1 m=46
